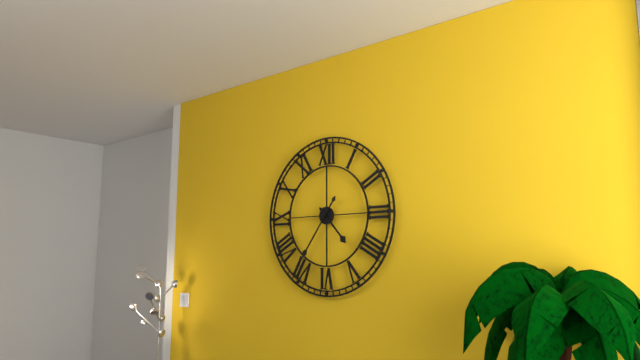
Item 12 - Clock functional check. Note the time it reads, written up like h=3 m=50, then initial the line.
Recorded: h=4 m=36
